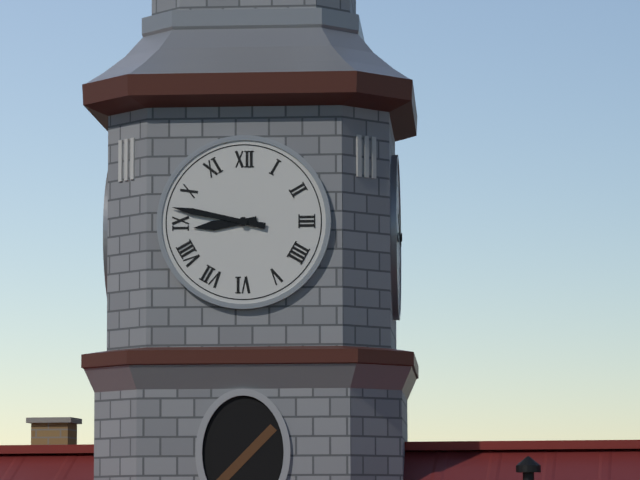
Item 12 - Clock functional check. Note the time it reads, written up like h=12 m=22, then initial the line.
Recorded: h=8 m=47
